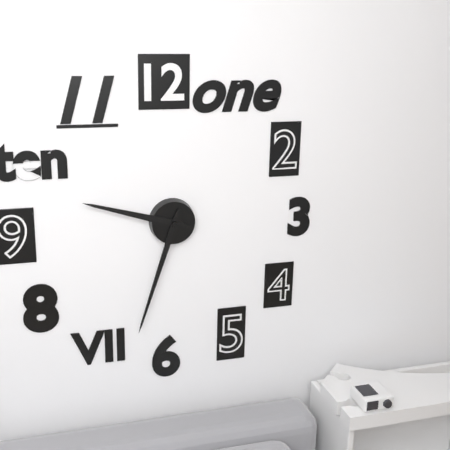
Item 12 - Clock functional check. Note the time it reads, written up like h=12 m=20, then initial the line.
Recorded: h=9 m=33
